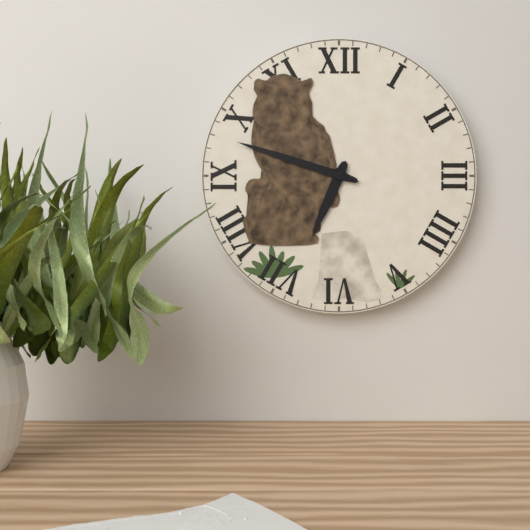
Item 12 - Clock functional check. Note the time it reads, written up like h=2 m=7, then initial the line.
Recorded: h=6 m=48
